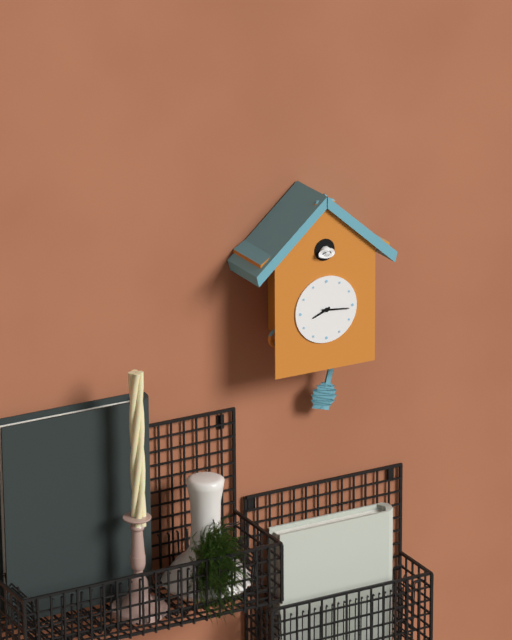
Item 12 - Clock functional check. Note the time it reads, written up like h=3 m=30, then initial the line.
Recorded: h=8 m=16
